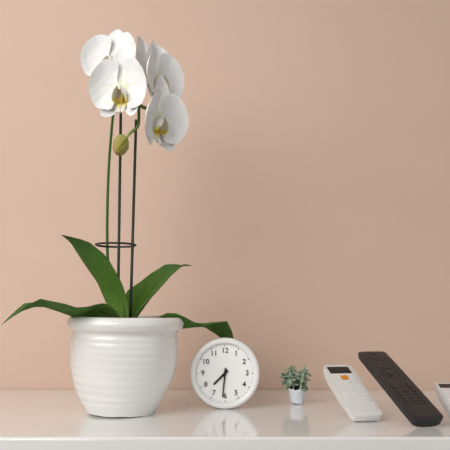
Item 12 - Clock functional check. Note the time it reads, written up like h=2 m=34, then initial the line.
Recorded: h=7 m=31
